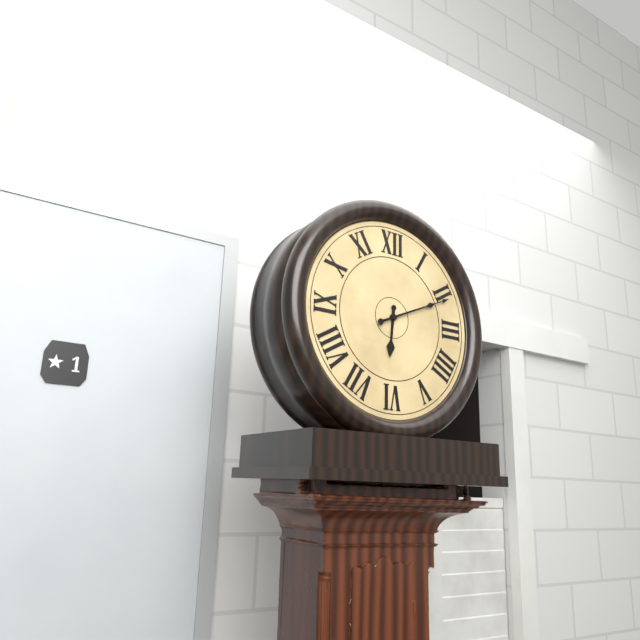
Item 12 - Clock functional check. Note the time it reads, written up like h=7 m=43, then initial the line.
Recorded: h=6 m=11
